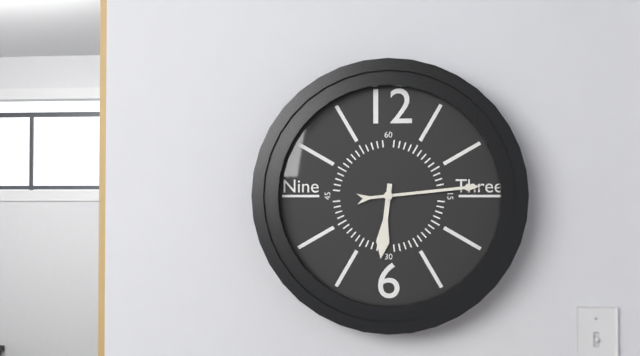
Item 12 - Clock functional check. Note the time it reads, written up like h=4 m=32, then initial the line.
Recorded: h=6 m=14
